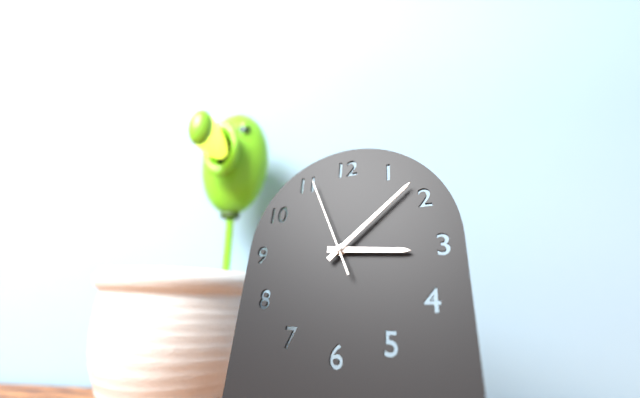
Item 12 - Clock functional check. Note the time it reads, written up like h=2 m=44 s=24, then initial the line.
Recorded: h=3 m=8 s=56
